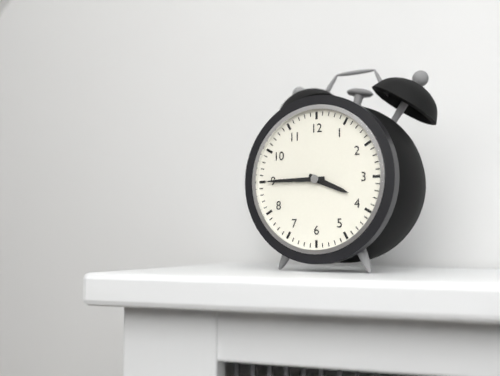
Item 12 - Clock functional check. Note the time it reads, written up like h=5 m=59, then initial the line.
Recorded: h=3 m=45
